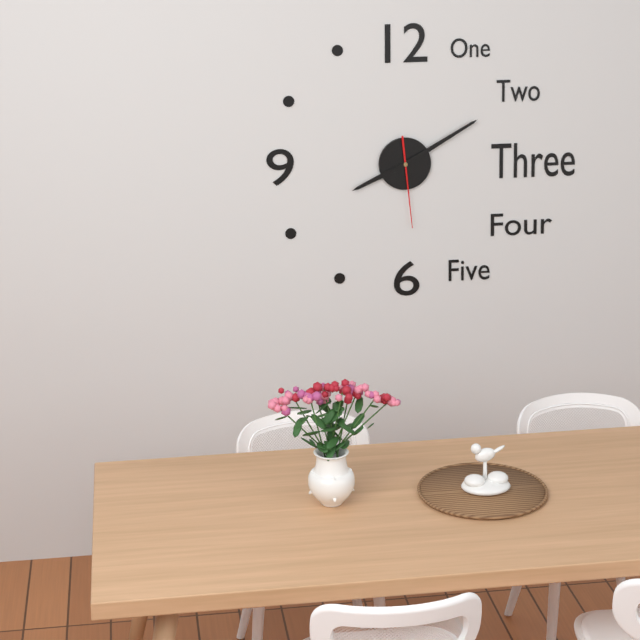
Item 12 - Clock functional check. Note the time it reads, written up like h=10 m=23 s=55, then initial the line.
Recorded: h=8 m=10 s=29
